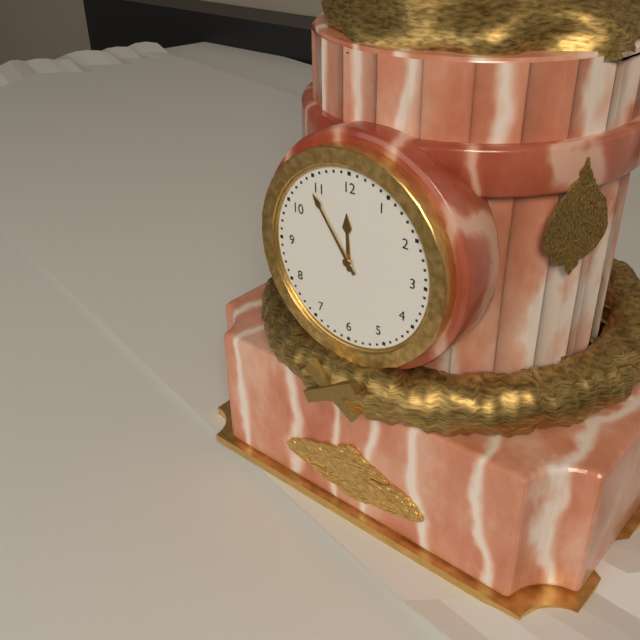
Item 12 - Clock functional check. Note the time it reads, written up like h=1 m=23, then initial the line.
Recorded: h=11 m=54
